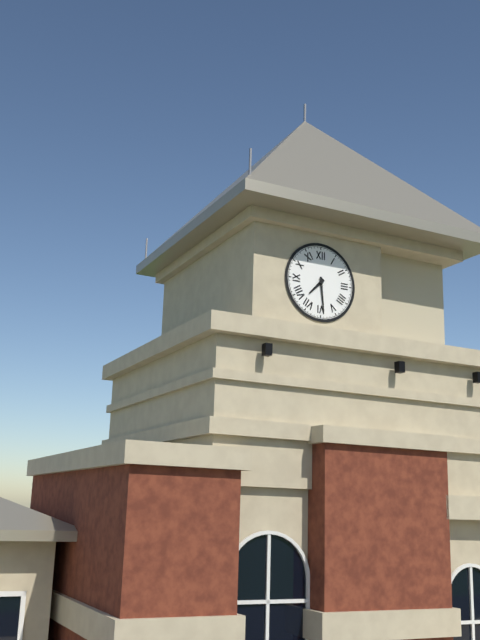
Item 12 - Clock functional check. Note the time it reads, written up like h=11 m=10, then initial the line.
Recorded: h=7 m=29
